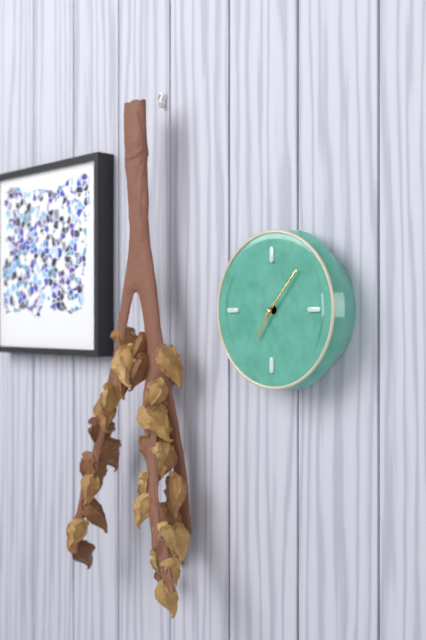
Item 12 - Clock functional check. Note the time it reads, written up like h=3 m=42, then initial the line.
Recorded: h=7 m=7
